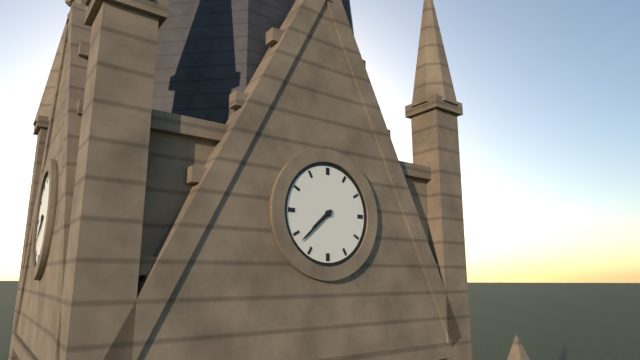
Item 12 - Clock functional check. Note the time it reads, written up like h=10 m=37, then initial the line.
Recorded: h=7 m=38
